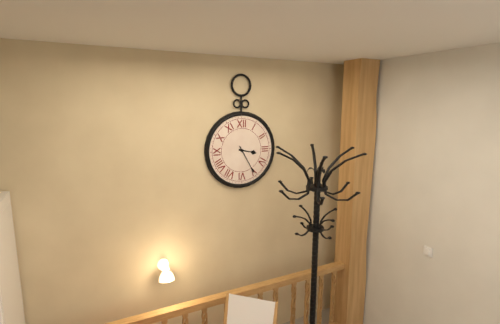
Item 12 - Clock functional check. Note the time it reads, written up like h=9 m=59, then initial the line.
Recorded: h=3 m=25
